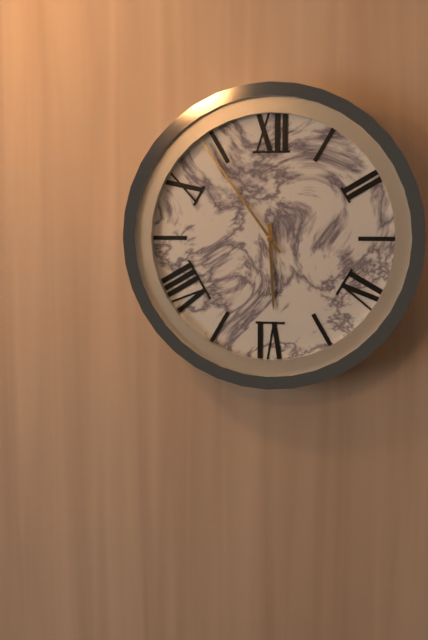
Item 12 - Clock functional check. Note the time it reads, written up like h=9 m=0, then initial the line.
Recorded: h=5 m=54
